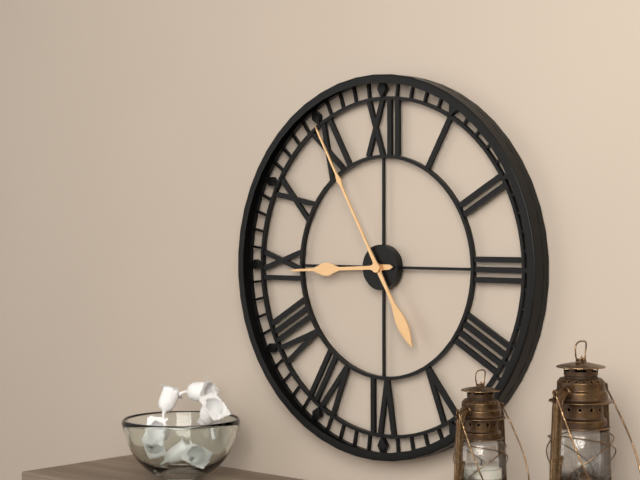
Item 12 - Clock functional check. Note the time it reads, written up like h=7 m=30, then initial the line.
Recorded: h=8 m=55
